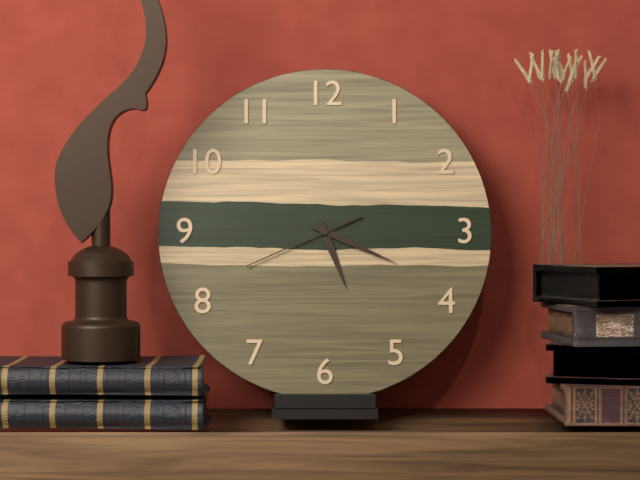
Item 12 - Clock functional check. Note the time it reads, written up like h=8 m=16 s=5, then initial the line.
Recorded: h=5 m=19 s=41
